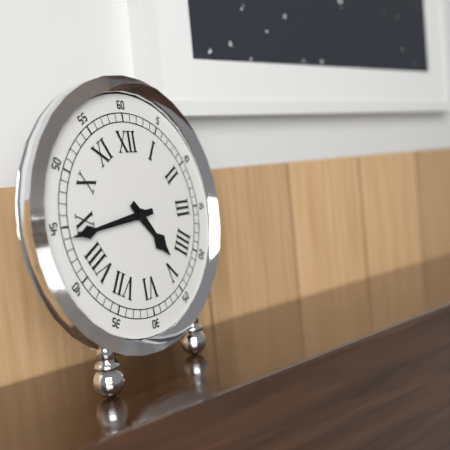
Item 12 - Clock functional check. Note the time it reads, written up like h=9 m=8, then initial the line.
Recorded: h=4 m=44
